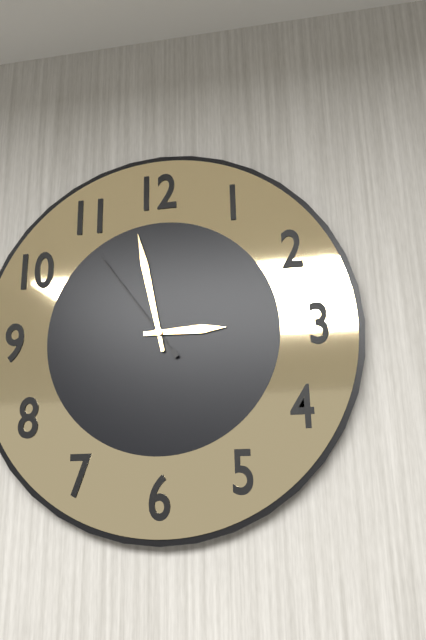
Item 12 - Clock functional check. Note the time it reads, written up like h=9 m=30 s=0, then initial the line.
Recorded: h=2 m=58 s=54
